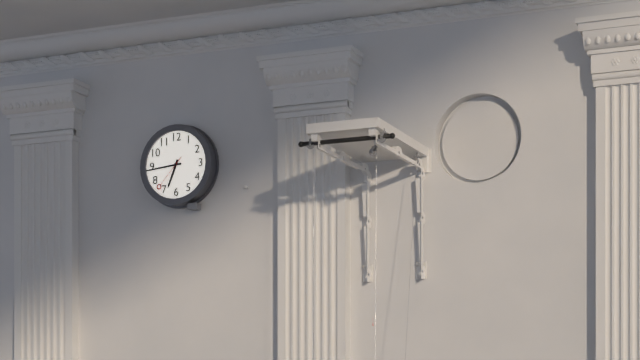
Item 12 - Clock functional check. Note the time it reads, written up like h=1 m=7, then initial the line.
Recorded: h=6 m=44
